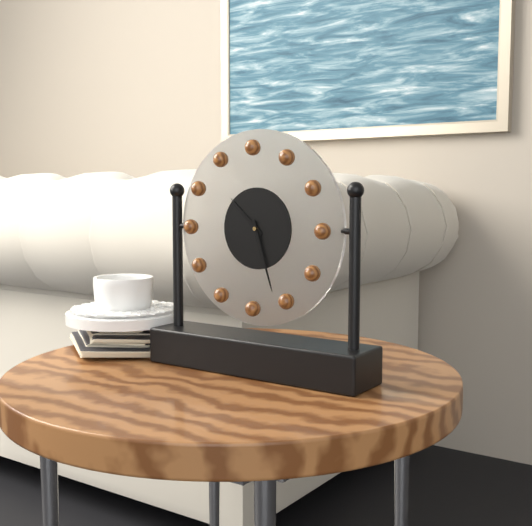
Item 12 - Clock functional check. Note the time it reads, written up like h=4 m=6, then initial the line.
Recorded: h=10 m=27
